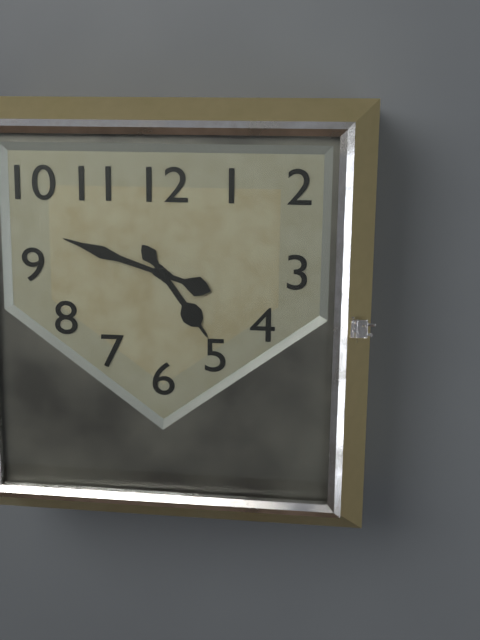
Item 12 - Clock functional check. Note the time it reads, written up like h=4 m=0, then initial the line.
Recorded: h=4 m=48
